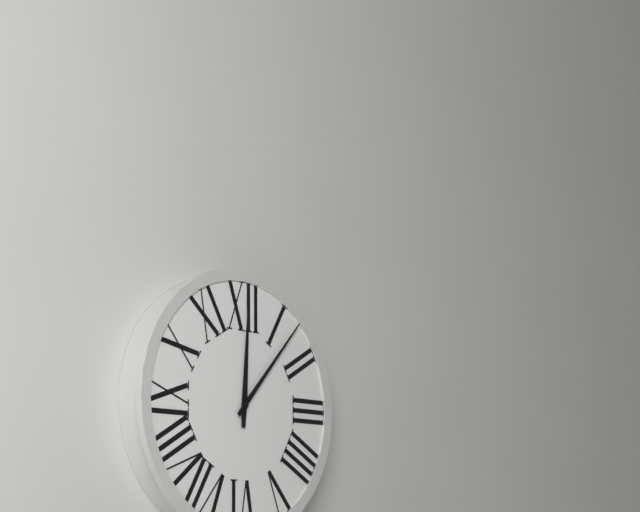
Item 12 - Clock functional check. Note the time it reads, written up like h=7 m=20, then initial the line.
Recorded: h=12 m=7
